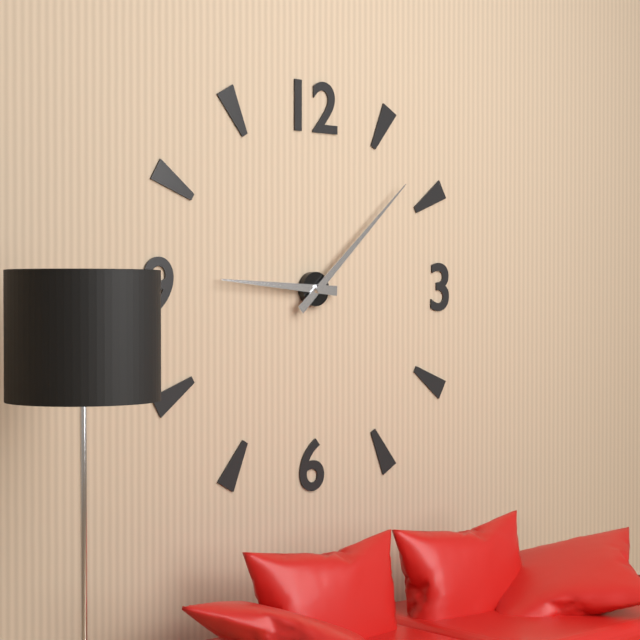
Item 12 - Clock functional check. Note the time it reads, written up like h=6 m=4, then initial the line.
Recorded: h=9 m=8
